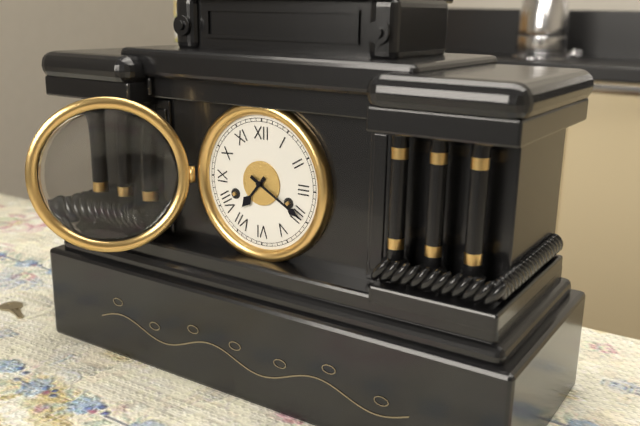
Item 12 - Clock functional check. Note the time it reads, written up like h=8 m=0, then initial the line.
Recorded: h=7 m=20
